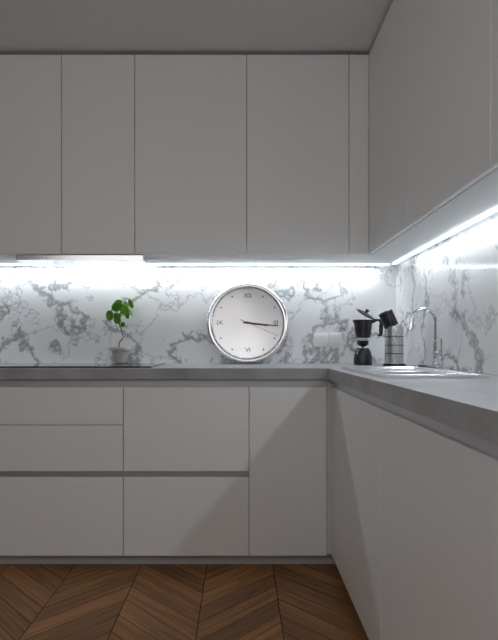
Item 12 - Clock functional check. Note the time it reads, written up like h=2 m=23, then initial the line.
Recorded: h=3 m=16
